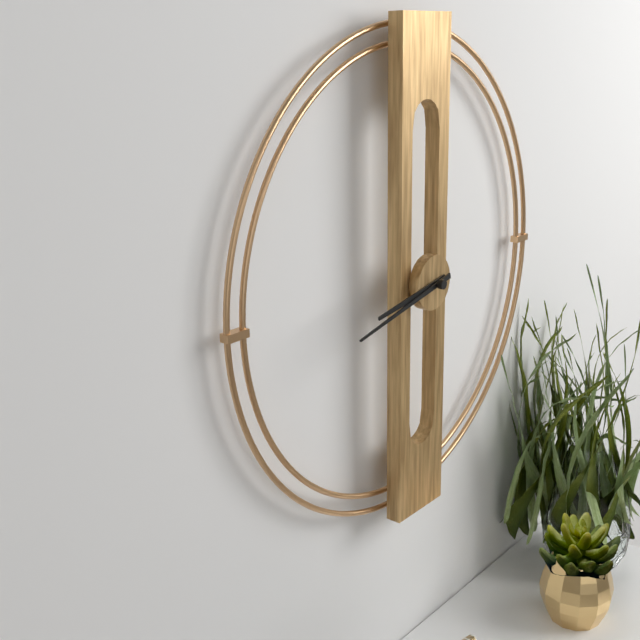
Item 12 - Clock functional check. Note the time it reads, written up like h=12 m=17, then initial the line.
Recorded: h=8 m=43
